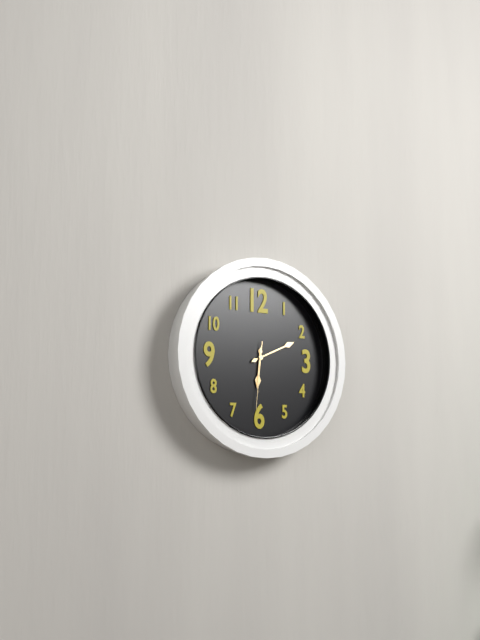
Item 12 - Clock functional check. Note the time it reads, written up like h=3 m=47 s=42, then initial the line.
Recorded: h=6 m=11 s=31
